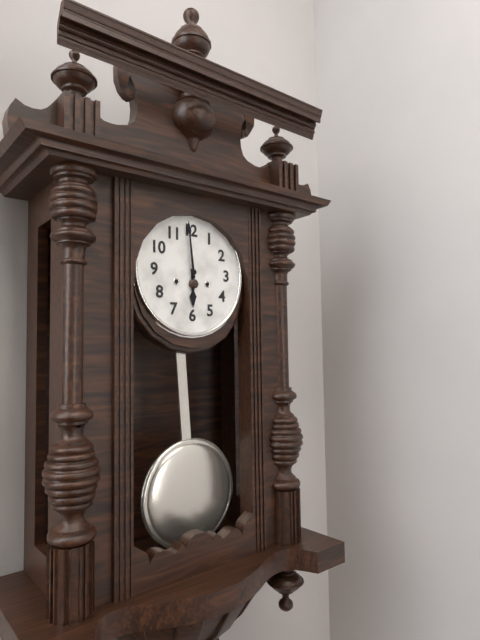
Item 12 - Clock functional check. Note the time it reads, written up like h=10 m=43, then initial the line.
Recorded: h=5 m=59
